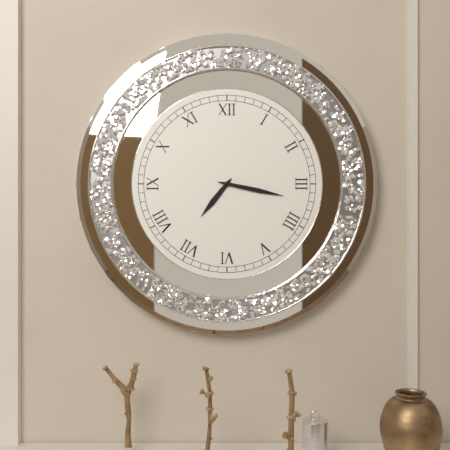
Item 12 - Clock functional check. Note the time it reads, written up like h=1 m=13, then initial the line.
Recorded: h=7 m=17
